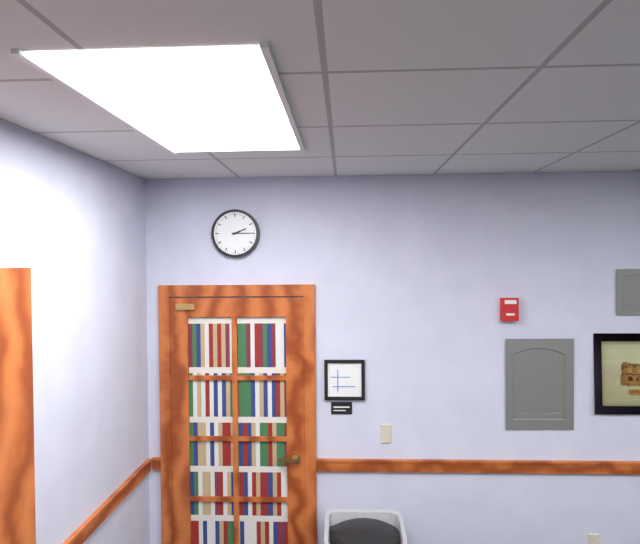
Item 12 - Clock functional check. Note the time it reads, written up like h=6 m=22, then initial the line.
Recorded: h=2 m=15
